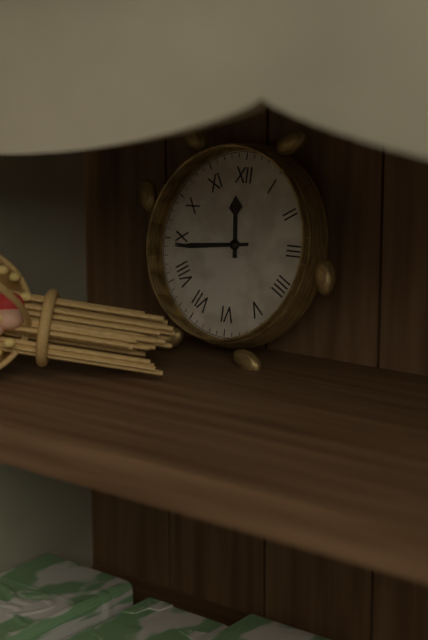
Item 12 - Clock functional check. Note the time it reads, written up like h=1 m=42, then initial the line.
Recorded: h=11 m=44
